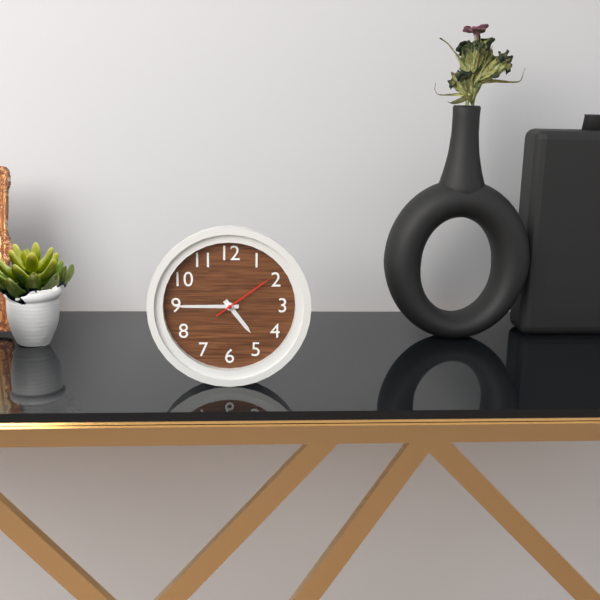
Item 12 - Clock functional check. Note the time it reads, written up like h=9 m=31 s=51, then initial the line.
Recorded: h=4 m=45 s=9
